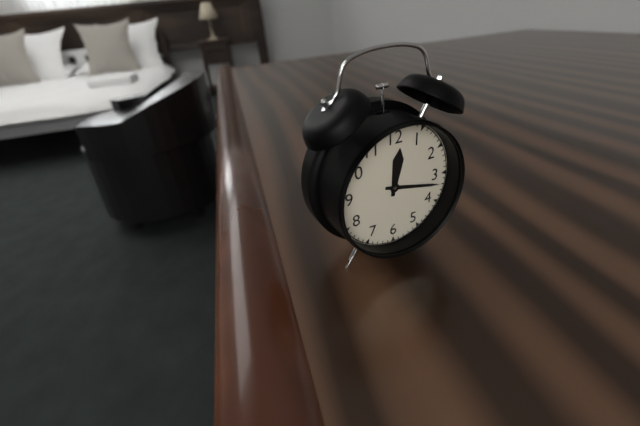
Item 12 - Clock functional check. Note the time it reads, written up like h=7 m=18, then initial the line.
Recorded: h=12 m=17
